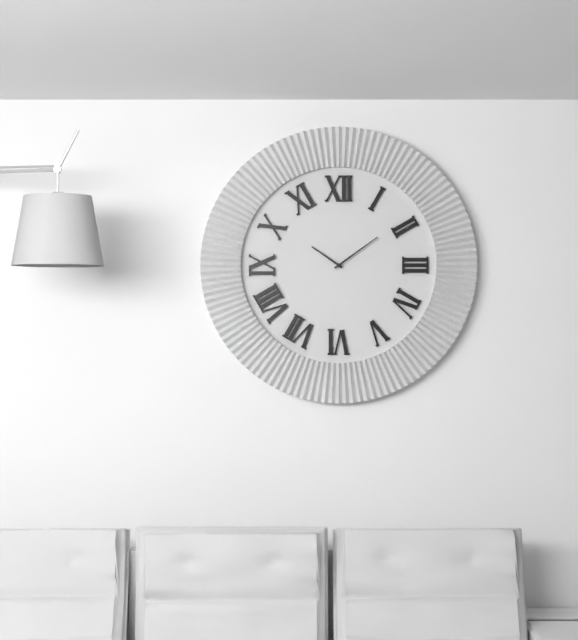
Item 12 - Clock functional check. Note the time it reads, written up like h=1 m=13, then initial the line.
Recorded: h=10 m=9
